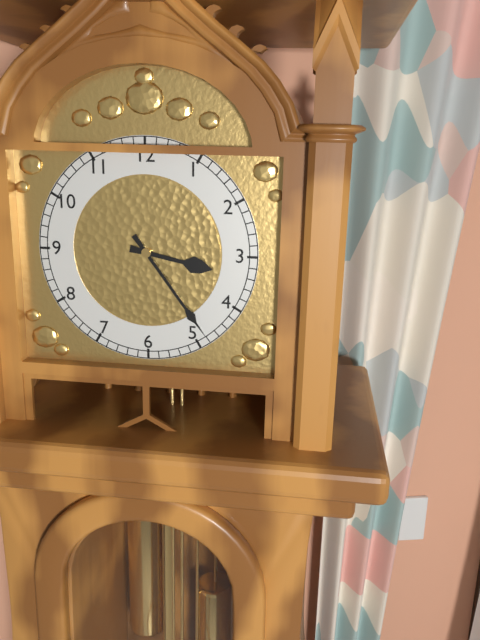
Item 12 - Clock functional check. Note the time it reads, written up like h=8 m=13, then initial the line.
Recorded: h=3 m=24
